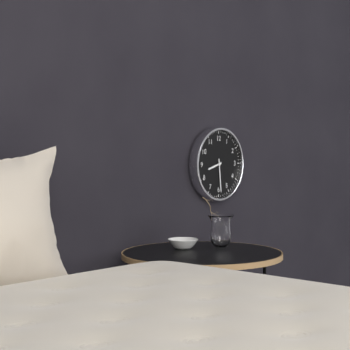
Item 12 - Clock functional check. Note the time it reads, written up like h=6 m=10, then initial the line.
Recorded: h=8 m=29
